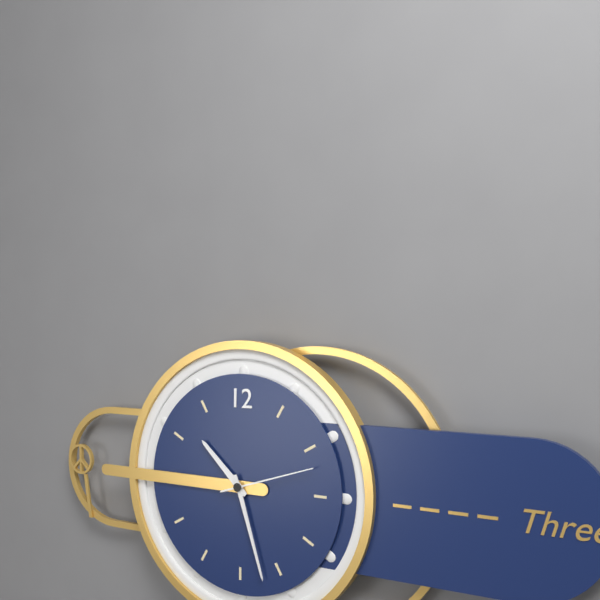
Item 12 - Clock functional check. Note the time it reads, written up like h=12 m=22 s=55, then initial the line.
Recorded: h=10 m=27 s=12
